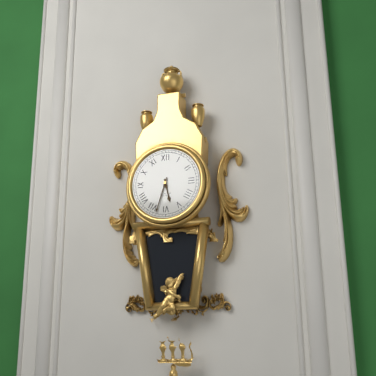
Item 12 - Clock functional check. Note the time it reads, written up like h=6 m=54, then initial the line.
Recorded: h=5 m=33
